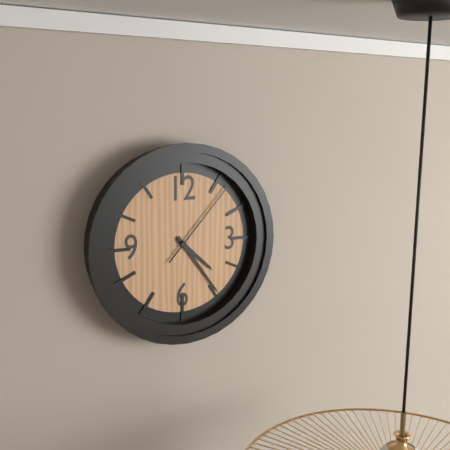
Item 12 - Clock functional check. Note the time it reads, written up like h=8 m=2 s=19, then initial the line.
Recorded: h=4 m=24 s=7
